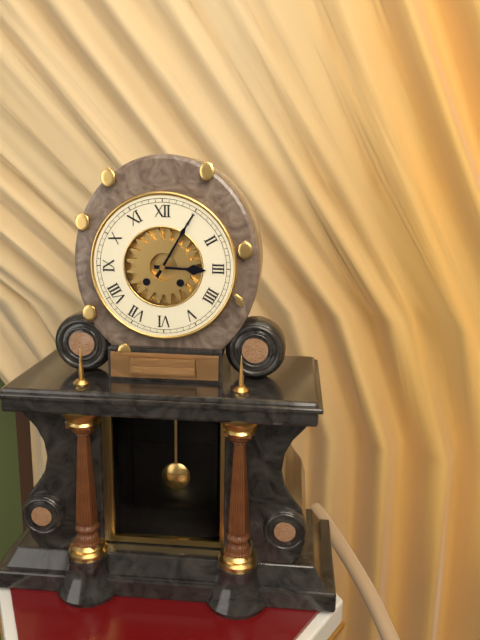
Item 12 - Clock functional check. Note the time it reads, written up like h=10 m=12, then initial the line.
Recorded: h=3 m=5
